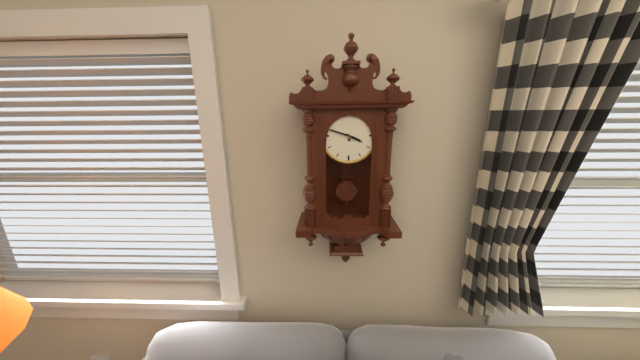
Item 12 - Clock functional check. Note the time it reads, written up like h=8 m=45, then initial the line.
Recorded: h=3 m=48
